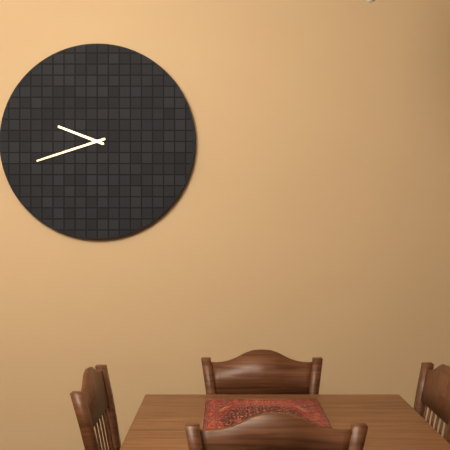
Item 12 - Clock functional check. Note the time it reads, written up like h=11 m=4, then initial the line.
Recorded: h=9 m=42
